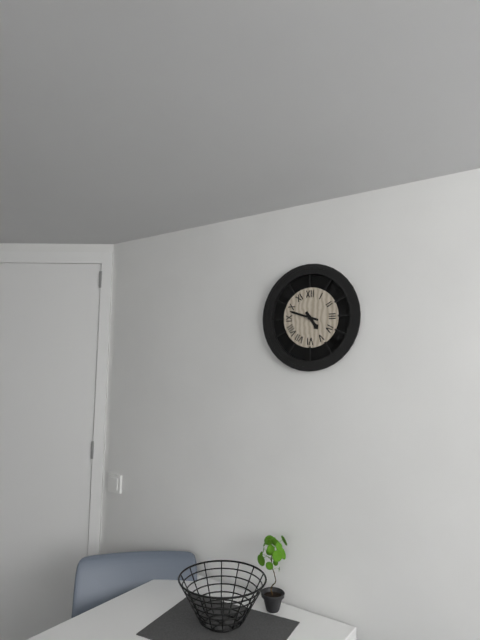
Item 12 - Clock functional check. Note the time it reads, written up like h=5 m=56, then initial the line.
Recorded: h=4 m=48
